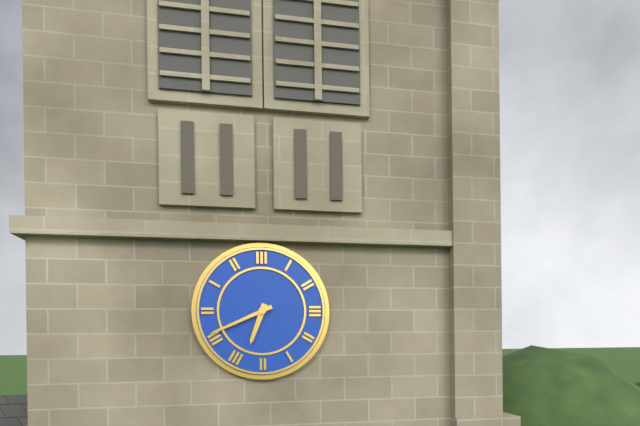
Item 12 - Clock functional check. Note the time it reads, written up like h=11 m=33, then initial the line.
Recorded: h=6 m=41
